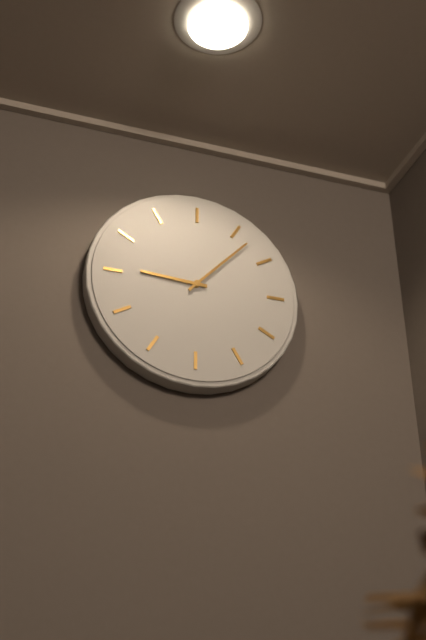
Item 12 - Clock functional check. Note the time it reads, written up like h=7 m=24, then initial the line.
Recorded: h=9 m=7
